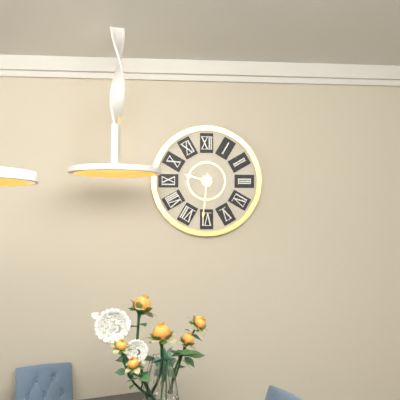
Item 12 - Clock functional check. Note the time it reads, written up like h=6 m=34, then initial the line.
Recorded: h=9 m=31
